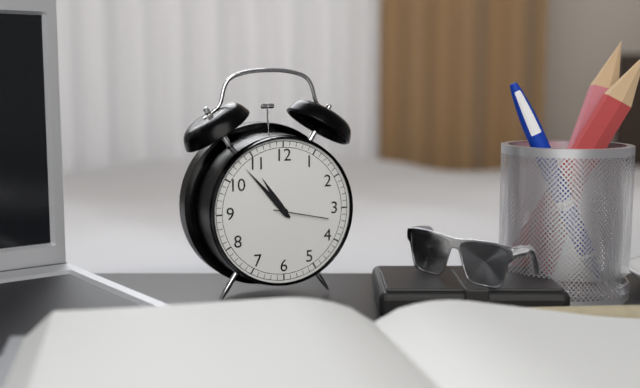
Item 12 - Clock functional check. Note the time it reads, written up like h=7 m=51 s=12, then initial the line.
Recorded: h=10 m=53 s=17
